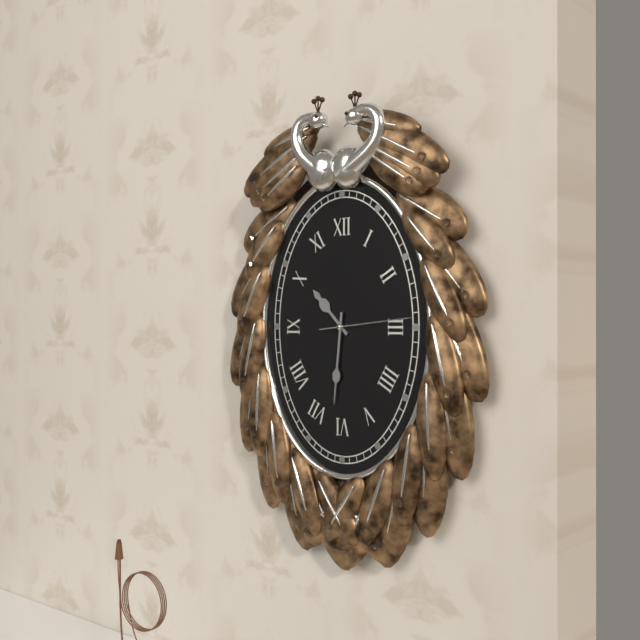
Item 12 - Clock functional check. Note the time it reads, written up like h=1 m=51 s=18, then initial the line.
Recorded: h=10 m=31 s=14
